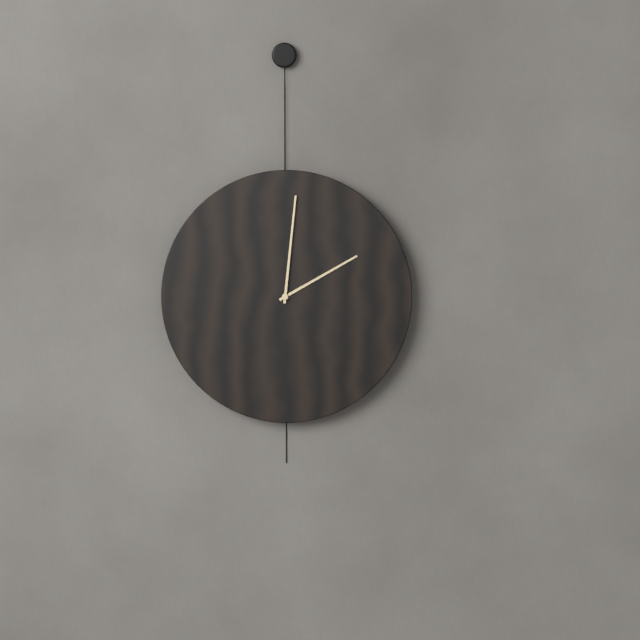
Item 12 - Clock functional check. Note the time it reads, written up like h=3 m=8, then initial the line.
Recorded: h=2 m=1
